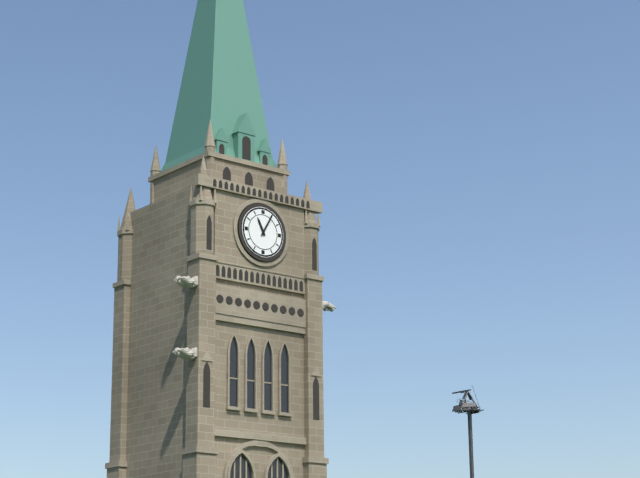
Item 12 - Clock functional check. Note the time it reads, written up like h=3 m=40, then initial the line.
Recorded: h=11 m=5
